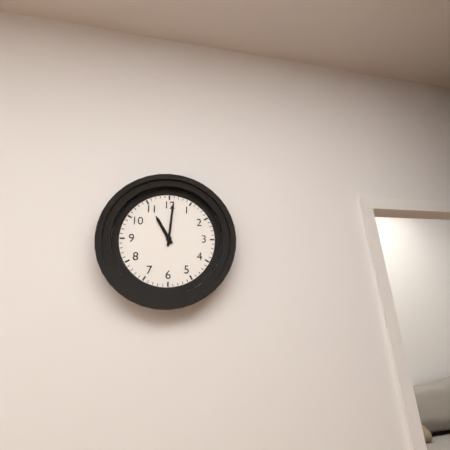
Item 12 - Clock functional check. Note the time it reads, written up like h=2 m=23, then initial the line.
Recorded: h=11 m=1
